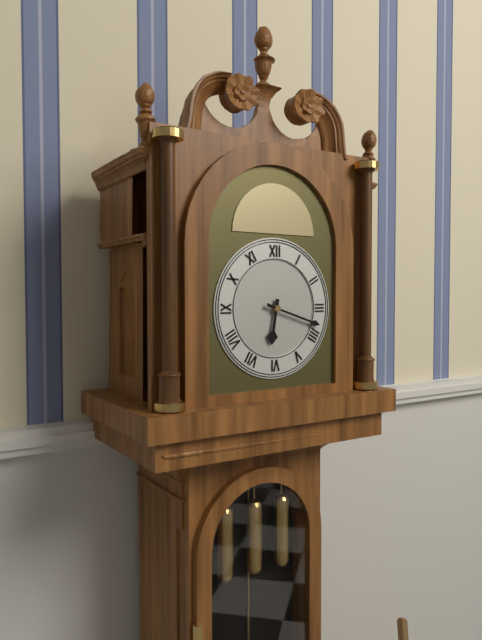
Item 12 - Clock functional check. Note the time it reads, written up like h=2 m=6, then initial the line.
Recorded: h=6 m=18
